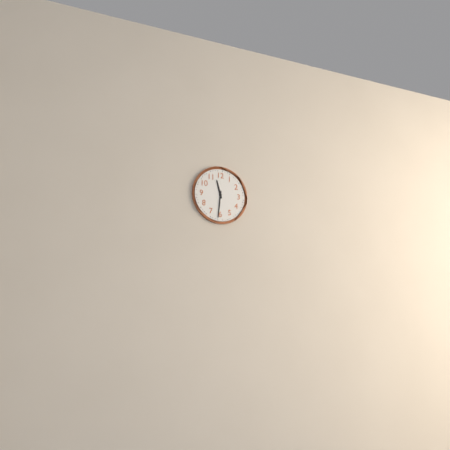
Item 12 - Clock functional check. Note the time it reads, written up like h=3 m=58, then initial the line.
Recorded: h=11 m=31
